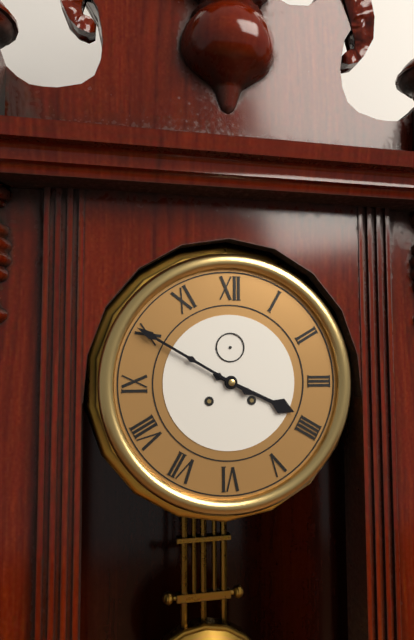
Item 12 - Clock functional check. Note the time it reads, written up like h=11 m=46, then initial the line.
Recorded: h=3 m=50
